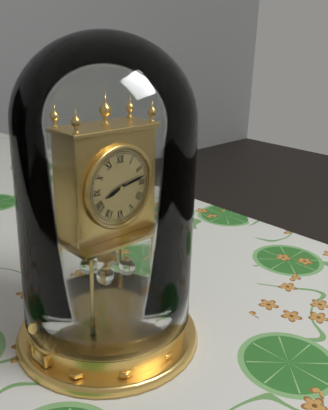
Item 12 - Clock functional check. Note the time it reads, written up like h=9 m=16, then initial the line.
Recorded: h=8 m=13
